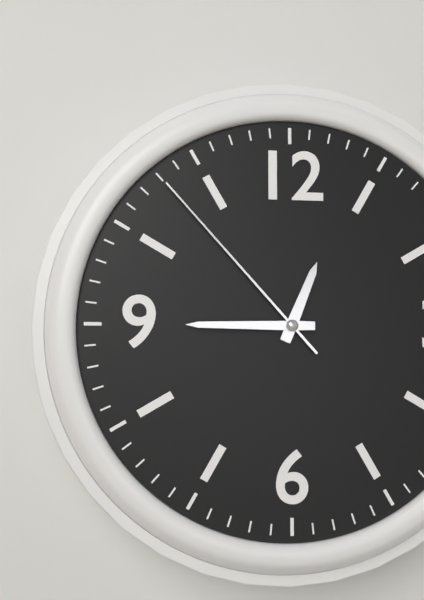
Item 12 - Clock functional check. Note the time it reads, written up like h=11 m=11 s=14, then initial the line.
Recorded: h=12 m=45 s=53
